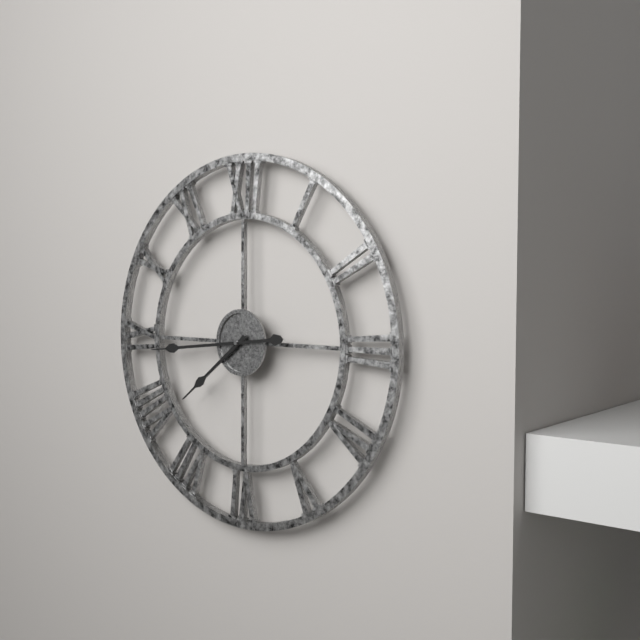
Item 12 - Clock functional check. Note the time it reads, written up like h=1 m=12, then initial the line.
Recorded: h=7 m=44
